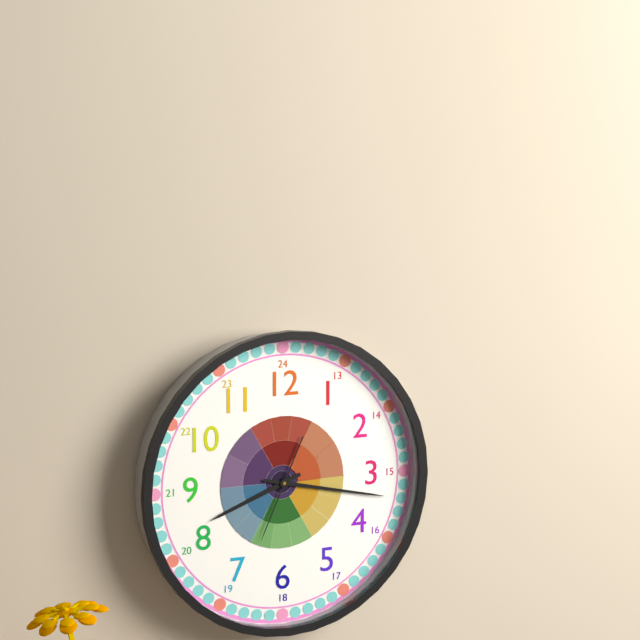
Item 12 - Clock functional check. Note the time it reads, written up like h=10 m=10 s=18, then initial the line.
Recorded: h=8 m=17 s=34
